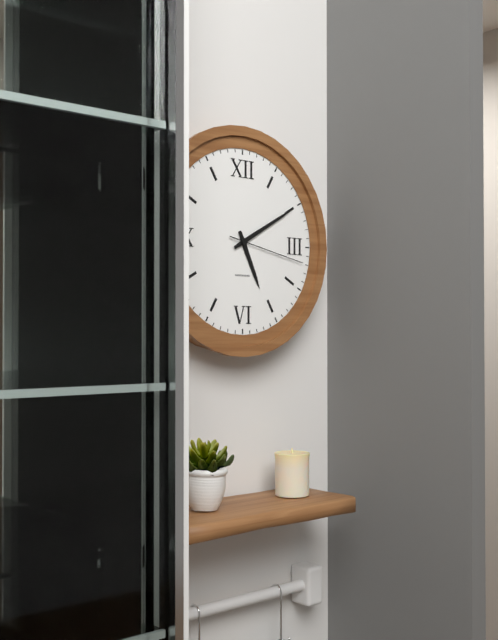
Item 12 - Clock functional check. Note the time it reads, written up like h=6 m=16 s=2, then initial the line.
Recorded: h=5 m=10 s=17
